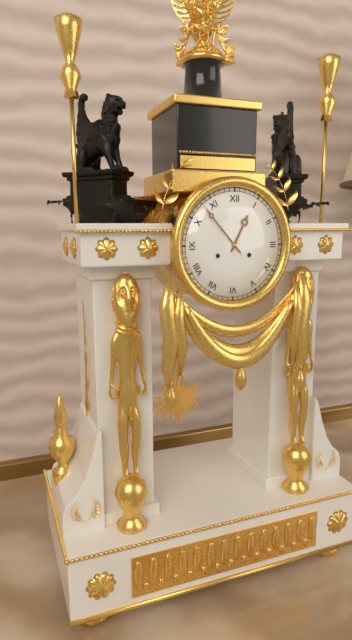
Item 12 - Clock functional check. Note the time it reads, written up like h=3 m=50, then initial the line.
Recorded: h=12 m=53
